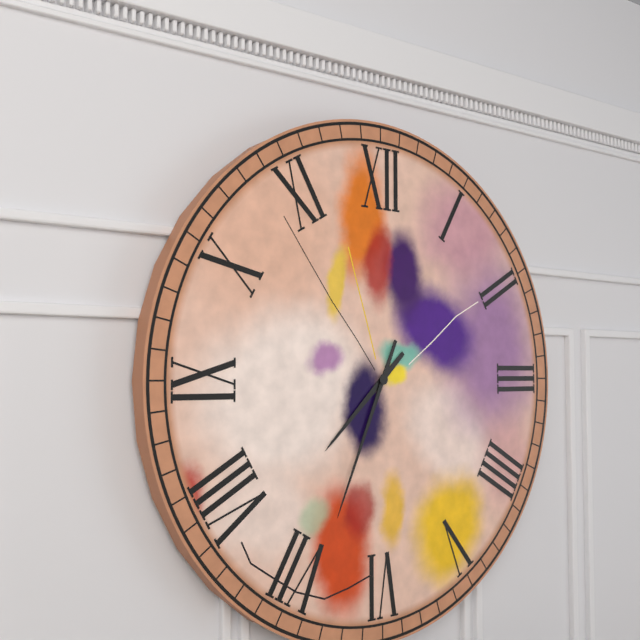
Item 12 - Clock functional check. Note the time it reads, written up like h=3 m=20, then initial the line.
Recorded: h=7 m=34
